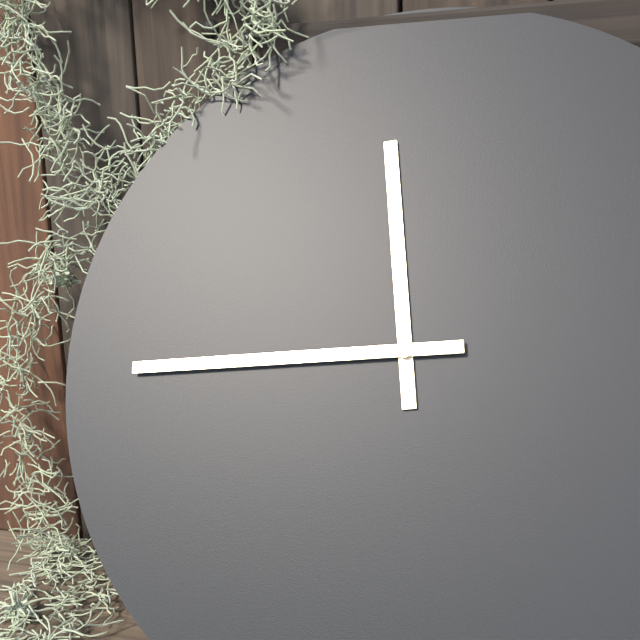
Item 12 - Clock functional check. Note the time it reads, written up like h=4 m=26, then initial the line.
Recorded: h=11 m=44
